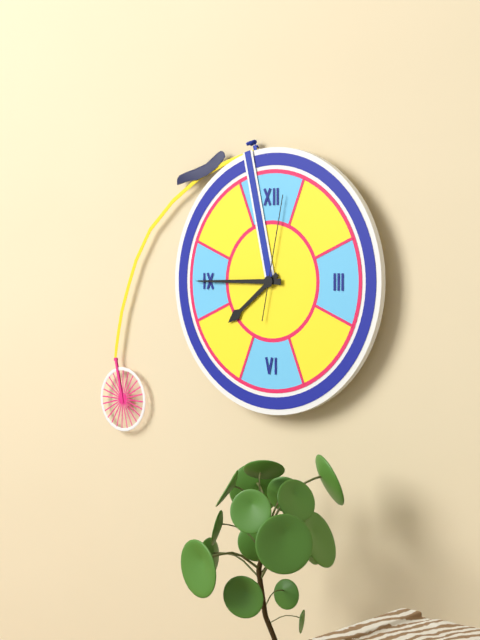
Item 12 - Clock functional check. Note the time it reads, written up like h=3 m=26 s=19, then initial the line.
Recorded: h=7 m=45 s=2
